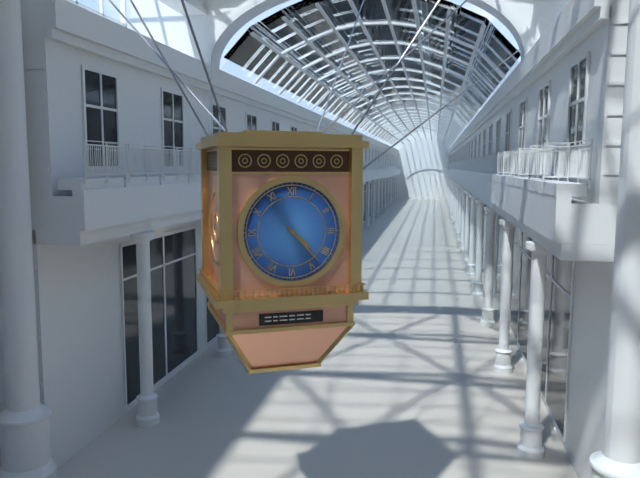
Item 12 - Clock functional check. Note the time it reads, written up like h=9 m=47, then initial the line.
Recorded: h=4 m=23
